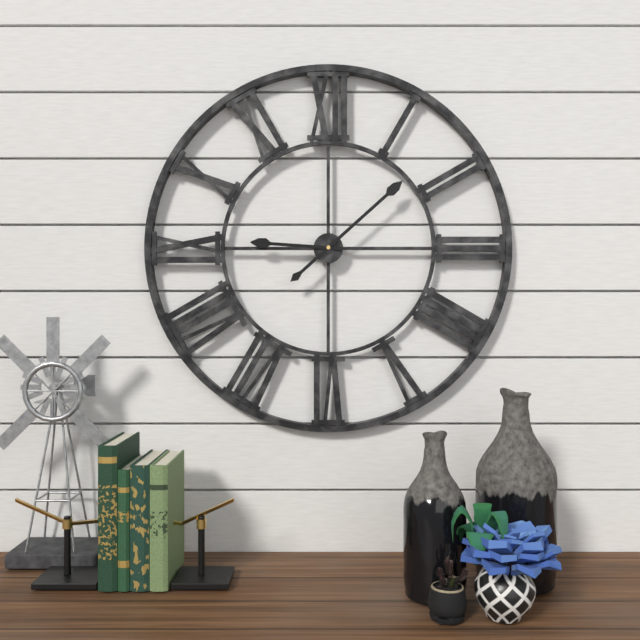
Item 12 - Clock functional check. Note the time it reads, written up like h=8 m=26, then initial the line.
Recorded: h=9 m=8
